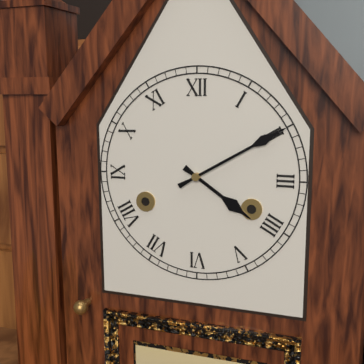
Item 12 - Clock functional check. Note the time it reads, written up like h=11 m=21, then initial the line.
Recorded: h=4 m=10
